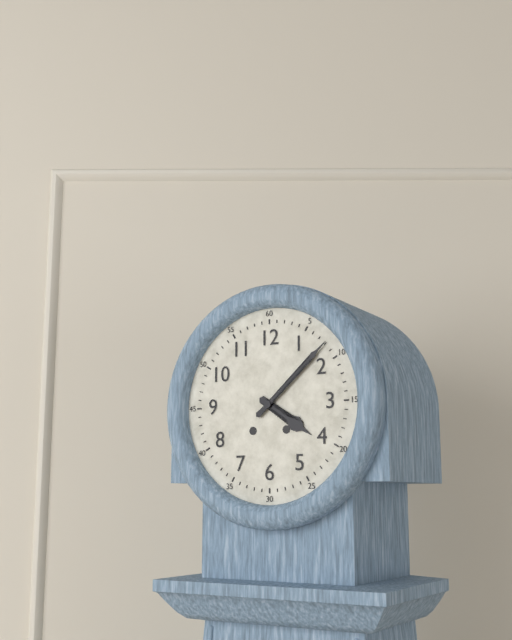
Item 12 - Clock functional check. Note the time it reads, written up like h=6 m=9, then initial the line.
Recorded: h=4 m=8
